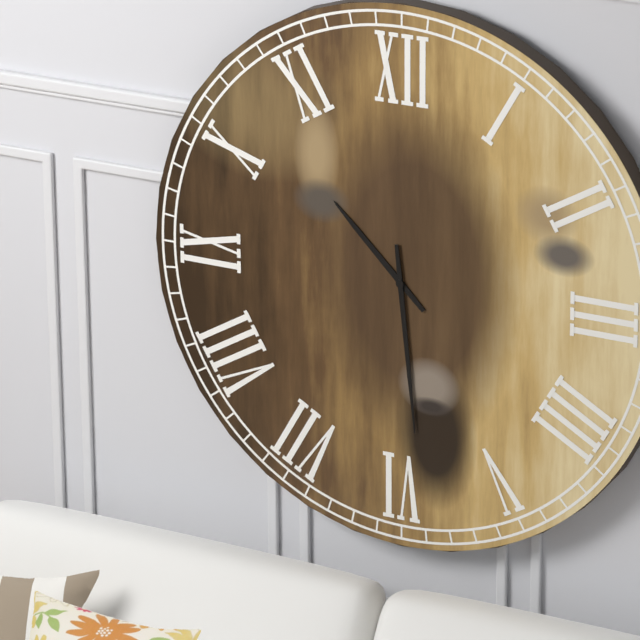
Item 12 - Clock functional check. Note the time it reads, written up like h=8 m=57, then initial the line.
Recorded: h=10 m=29
